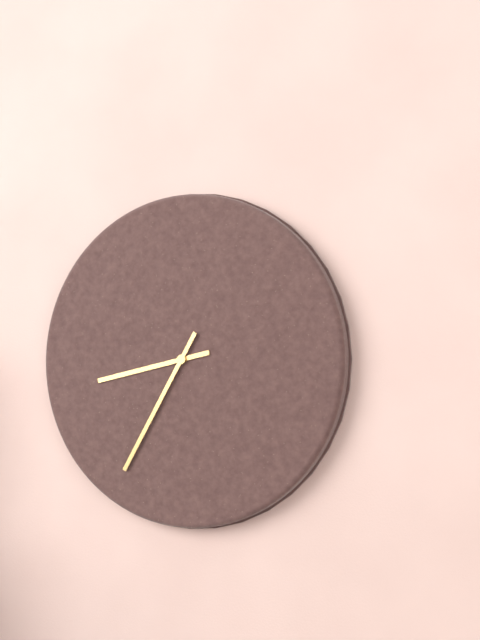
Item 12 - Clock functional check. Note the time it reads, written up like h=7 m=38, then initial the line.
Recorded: h=8 m=35
